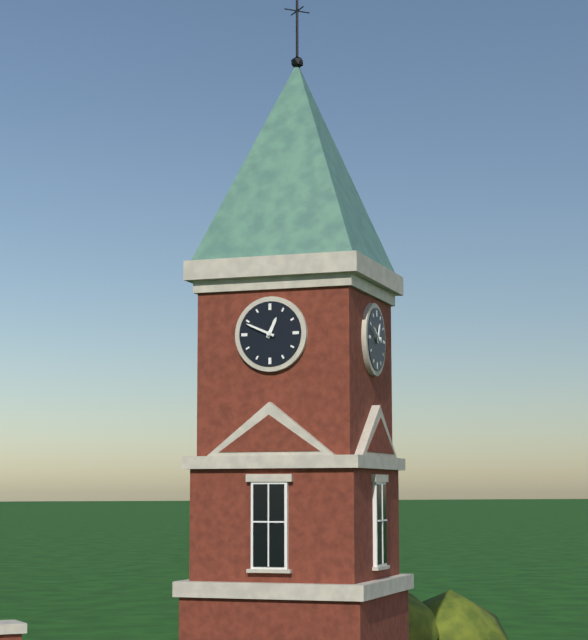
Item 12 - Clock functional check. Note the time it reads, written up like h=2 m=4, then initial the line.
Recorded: h=12 m=49
